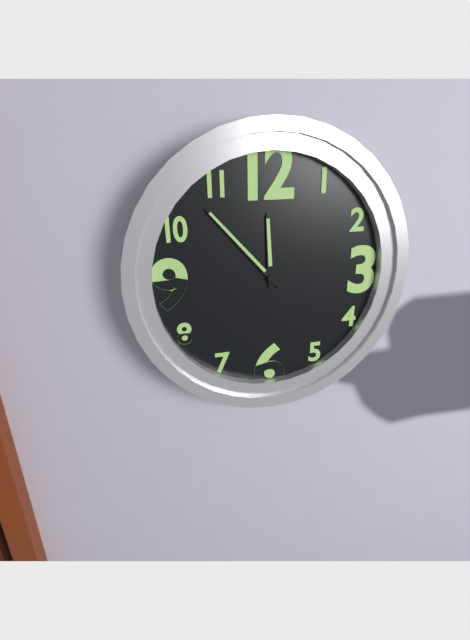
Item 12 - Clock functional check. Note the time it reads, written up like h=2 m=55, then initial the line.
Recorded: h=11 m=53
